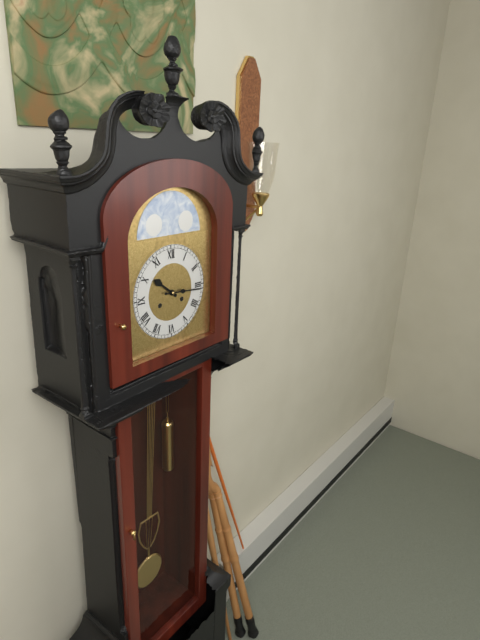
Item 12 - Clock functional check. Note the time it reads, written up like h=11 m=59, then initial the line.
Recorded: h=10 m=16
